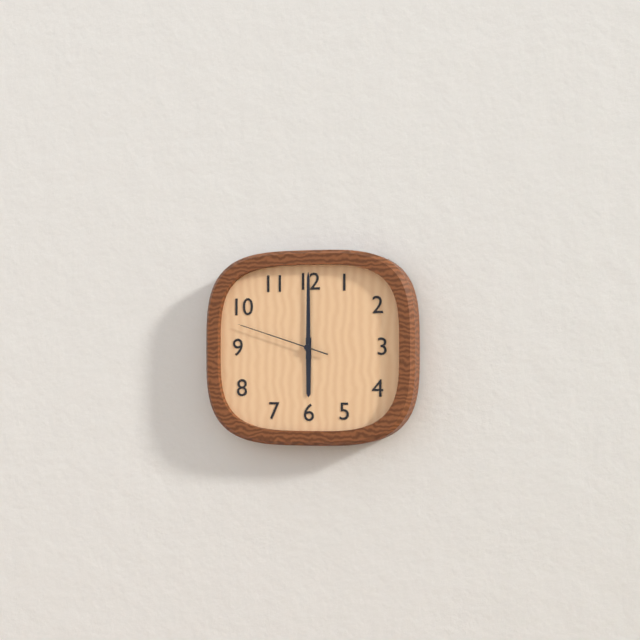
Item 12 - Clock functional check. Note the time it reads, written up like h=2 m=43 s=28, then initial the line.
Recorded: h=6 m=0 s=48
